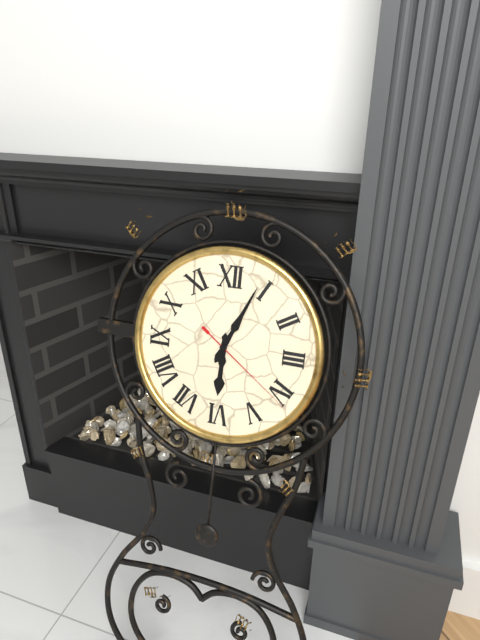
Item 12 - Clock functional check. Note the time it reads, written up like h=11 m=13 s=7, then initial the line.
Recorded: h=6 m=4 s=21
